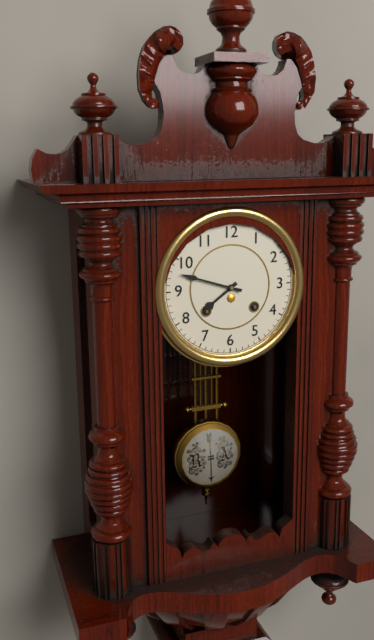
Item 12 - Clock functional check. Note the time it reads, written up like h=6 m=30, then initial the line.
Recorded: h=7 m=48
